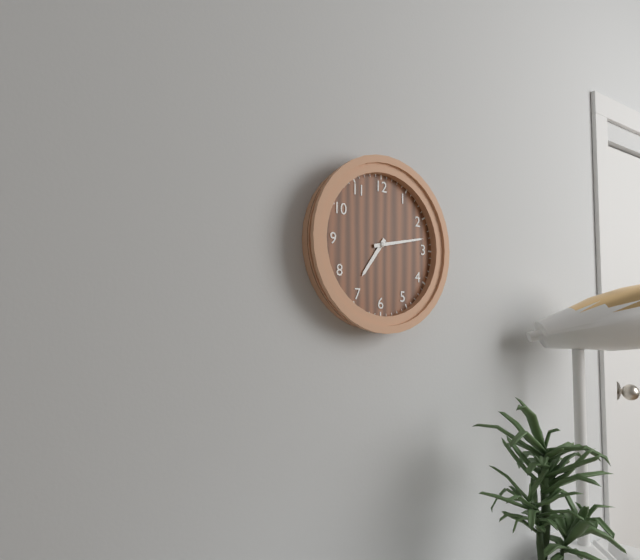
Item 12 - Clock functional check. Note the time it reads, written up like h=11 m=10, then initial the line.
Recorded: h=7 m=13
